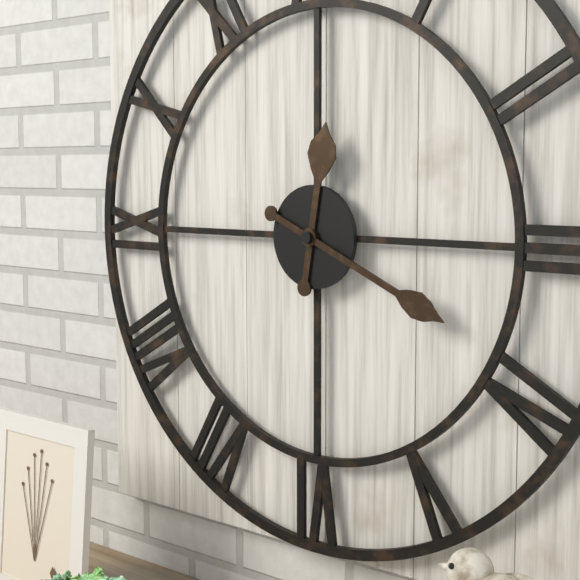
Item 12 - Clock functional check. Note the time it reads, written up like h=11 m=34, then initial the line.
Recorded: h=12 m=19
